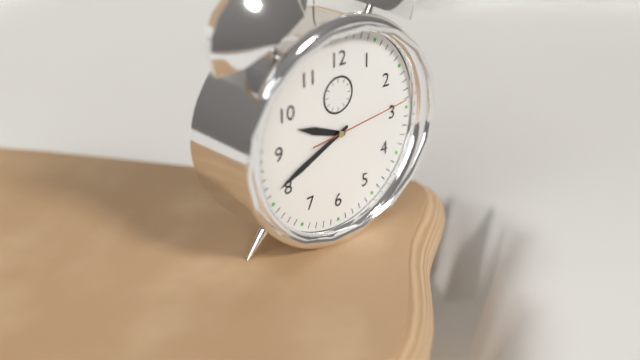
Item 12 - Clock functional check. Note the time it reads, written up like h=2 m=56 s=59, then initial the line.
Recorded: h=9 m=41 s=14
